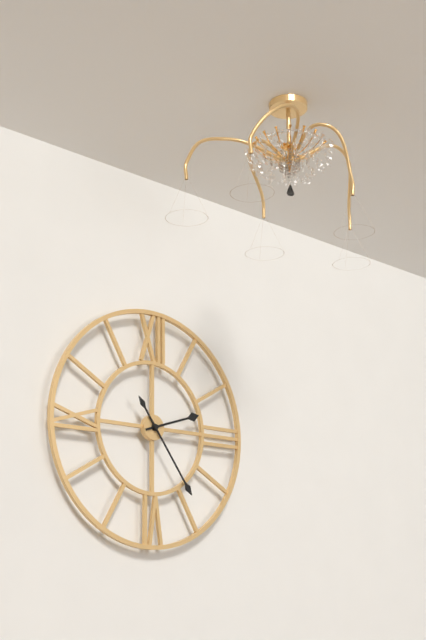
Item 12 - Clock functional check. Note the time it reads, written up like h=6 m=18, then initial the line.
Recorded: h=2 m=24
